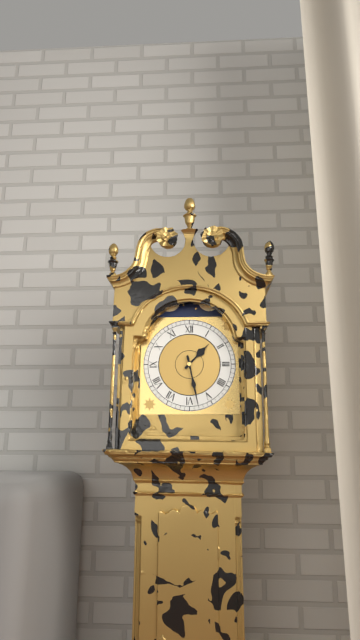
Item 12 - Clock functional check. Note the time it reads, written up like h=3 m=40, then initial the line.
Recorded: h=1 m=28
